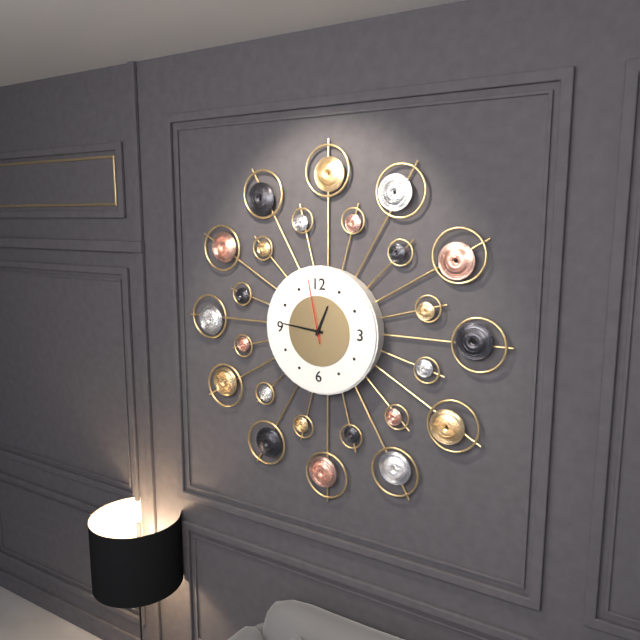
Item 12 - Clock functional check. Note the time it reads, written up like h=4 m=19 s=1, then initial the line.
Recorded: h=12 m=46 s=58
